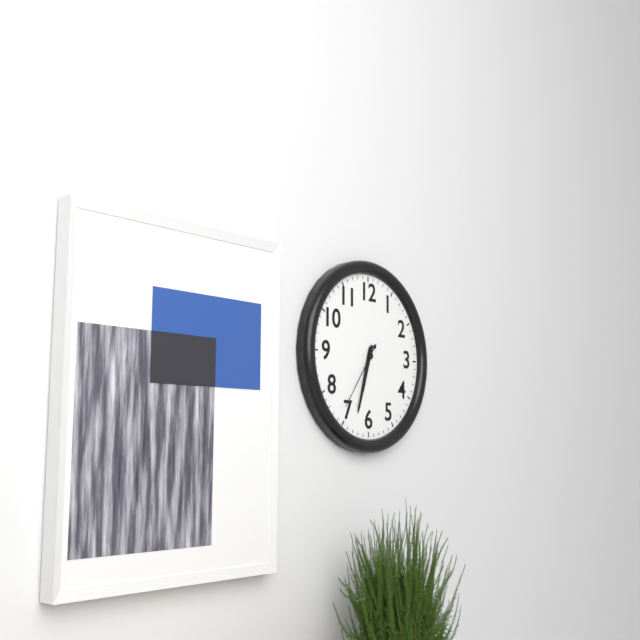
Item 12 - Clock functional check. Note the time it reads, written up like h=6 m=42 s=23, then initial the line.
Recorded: h=6 m=33 s=36
